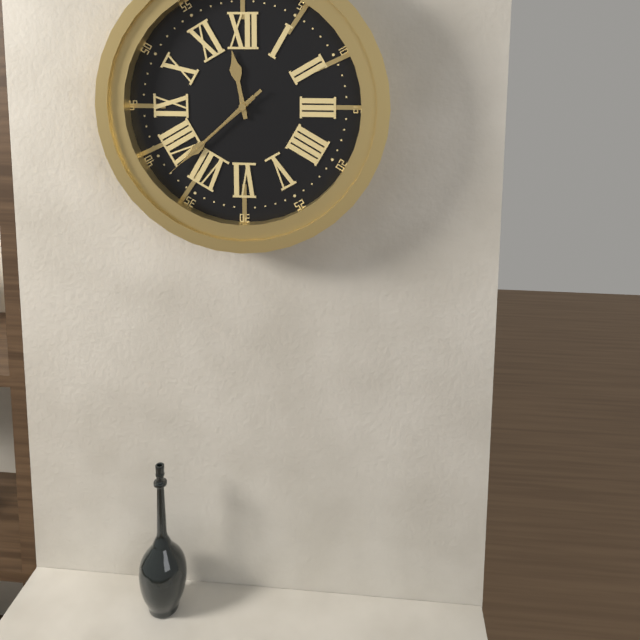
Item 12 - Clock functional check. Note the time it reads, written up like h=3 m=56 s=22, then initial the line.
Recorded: h=11 m=38 s=38
